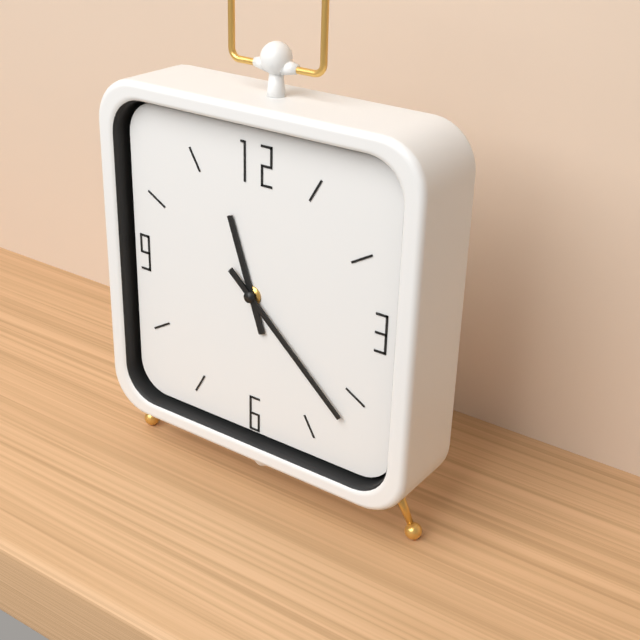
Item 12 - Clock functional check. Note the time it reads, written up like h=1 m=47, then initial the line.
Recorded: h=11 m=22
